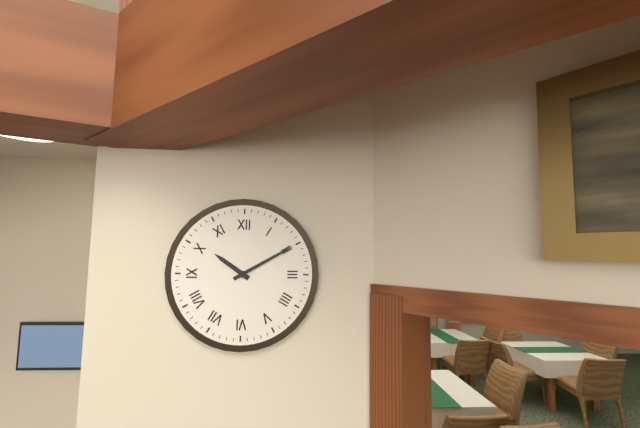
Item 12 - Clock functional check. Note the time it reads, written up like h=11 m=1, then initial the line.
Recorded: h=10 m=10
